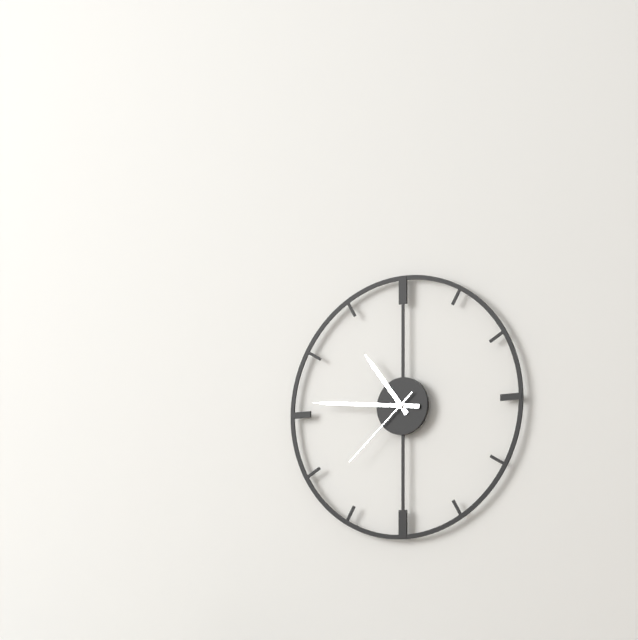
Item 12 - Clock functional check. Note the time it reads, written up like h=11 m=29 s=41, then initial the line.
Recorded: h=10 m=46 s=38
